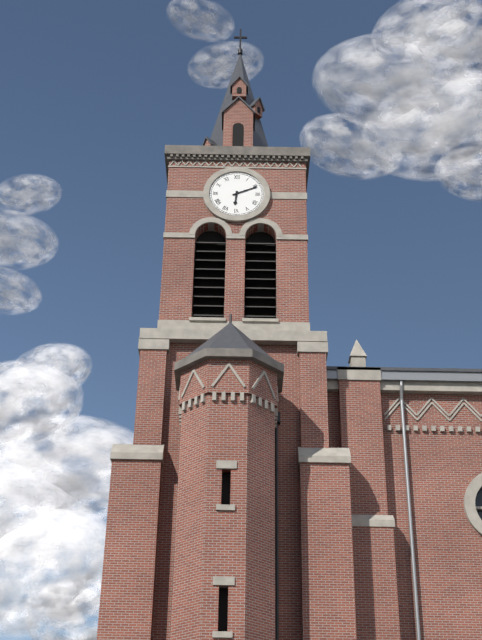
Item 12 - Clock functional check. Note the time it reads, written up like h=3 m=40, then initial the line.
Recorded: h=6 m=11
